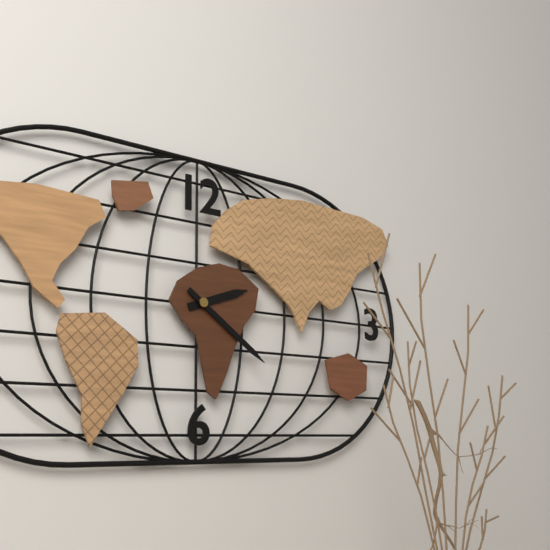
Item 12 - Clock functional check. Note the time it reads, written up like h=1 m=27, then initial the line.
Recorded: h=2 m=21
